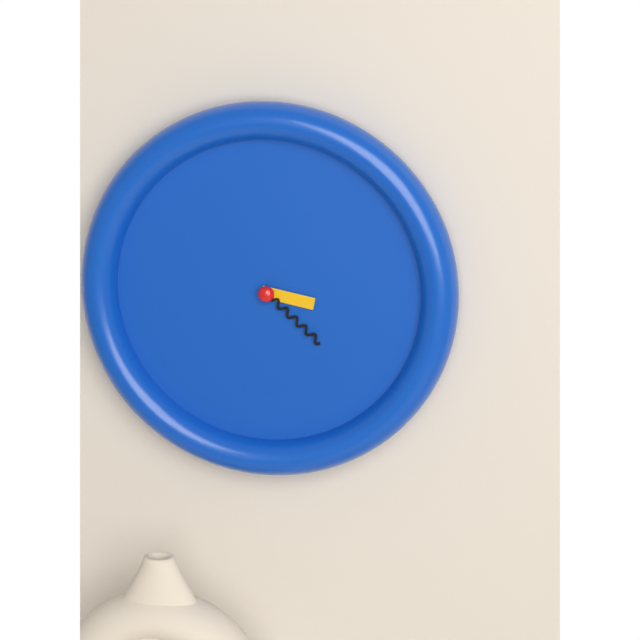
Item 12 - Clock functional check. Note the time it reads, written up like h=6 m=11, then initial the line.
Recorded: h=3 m=22
